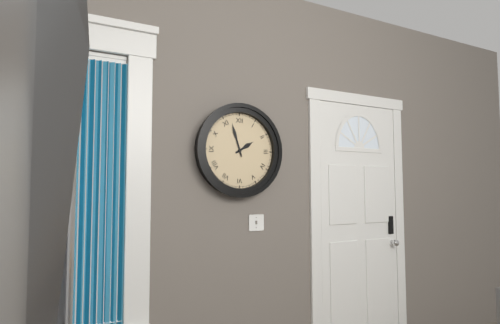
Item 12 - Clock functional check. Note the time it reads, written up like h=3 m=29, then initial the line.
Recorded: h=1 m=57
